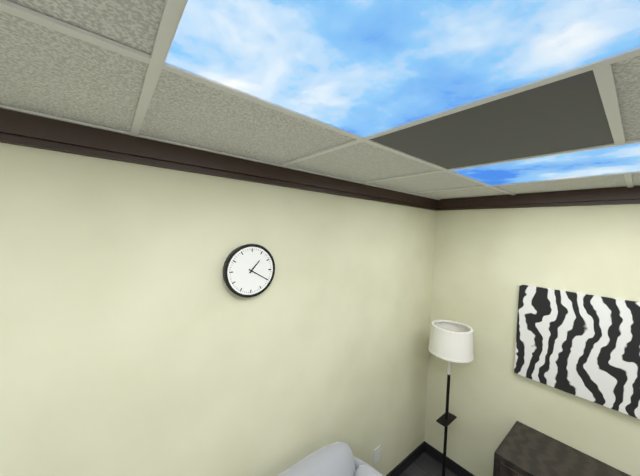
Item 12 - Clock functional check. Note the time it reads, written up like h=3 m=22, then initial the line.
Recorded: h=1 m=20
